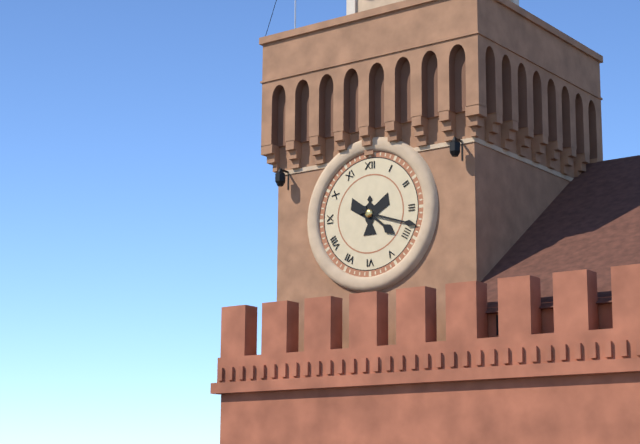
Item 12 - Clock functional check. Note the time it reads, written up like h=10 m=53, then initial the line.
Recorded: h=4 m=18
